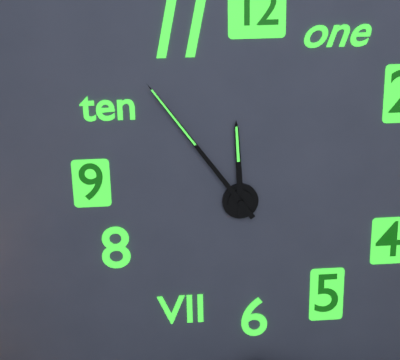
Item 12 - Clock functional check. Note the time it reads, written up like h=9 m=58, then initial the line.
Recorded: h=11 m=54
